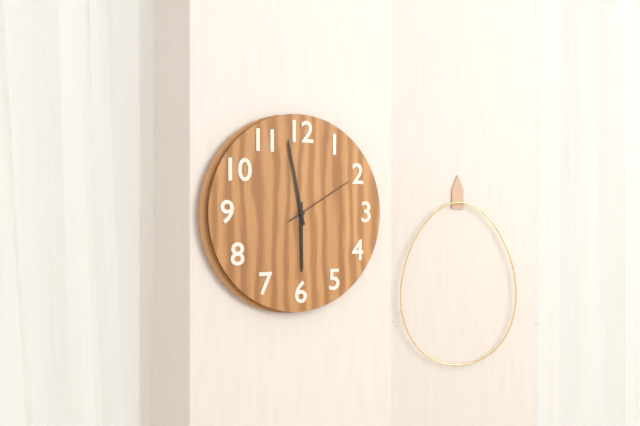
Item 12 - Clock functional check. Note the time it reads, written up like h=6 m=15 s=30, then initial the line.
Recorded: h=5 m=58 s=10
